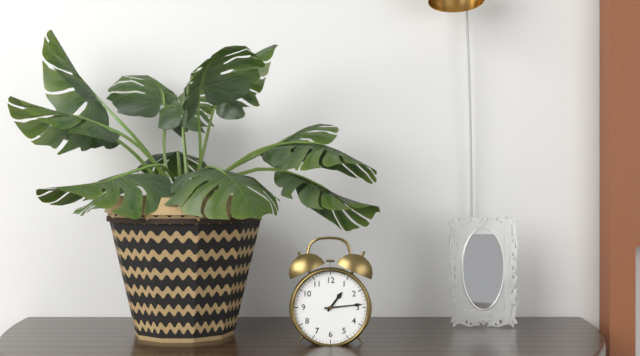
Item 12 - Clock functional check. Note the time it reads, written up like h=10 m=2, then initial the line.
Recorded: h=1 m=14
